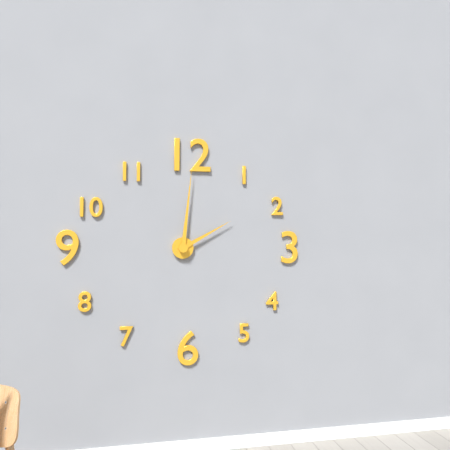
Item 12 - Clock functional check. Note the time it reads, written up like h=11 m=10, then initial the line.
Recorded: h=2 m=1
